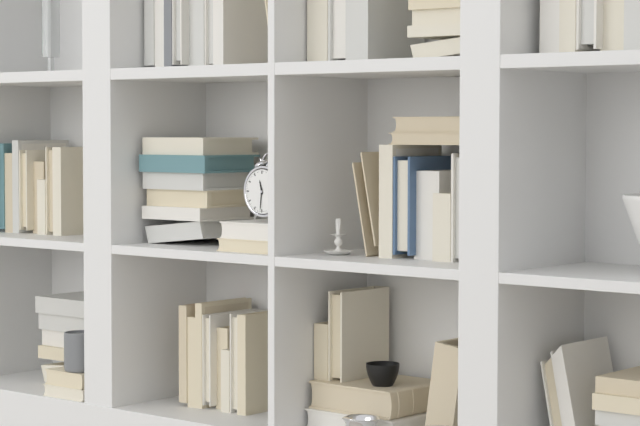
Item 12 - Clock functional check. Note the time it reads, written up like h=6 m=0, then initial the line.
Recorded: h=11 m=31
